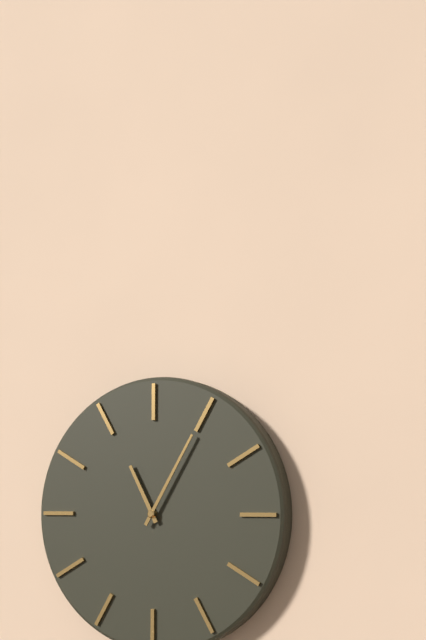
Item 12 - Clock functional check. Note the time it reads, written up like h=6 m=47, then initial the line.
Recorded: h=11 m=5
